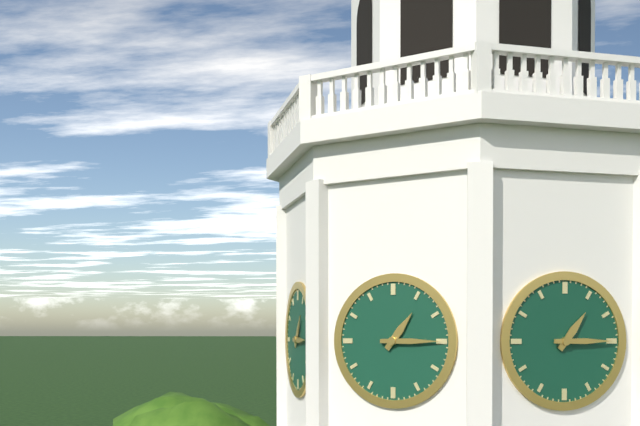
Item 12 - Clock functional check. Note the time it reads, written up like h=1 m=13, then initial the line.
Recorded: h=1 m=15
